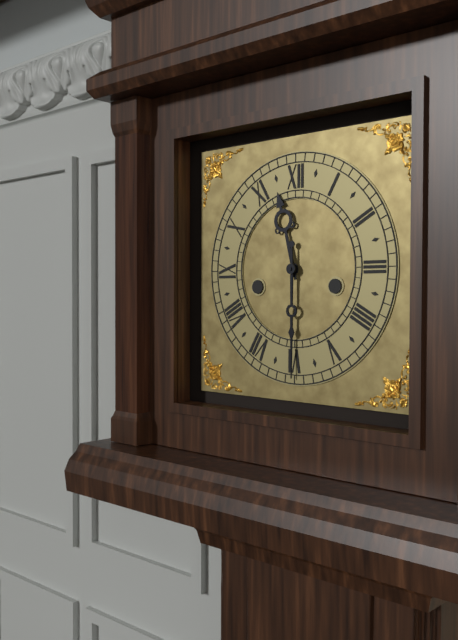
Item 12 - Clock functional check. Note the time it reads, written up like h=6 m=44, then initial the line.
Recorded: h=11 m=30
